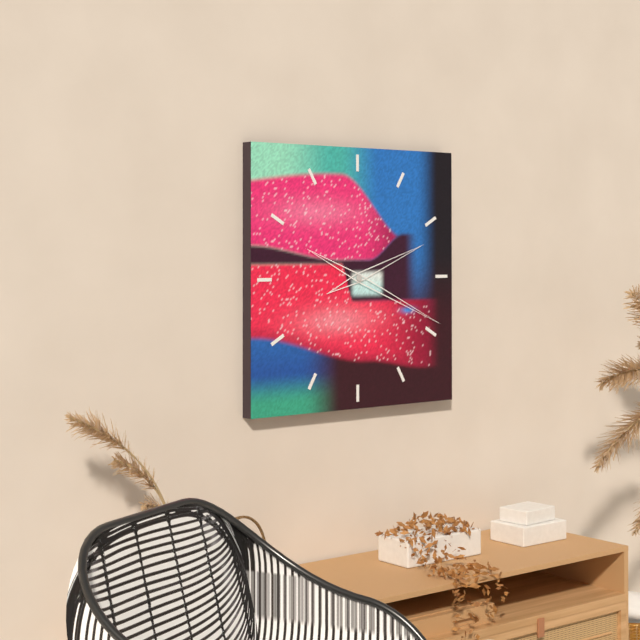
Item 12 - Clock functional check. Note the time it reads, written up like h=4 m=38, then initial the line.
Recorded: h=2 m=19
